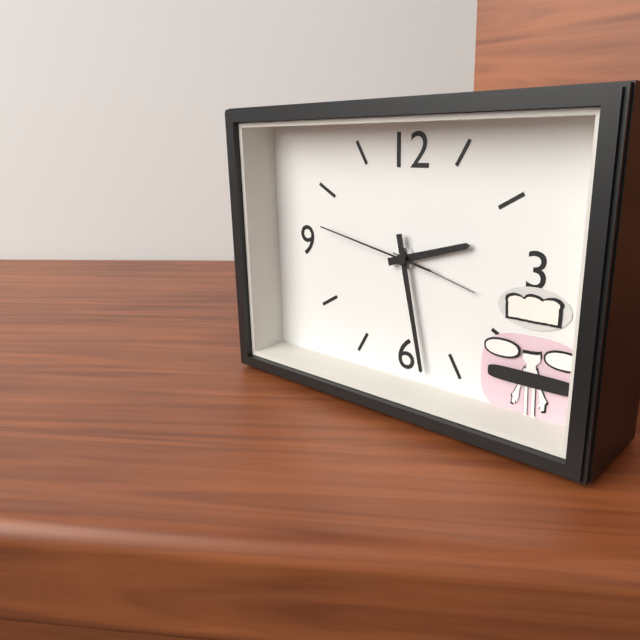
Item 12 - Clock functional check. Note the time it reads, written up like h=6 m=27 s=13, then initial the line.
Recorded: h=2 m=28 s=47
